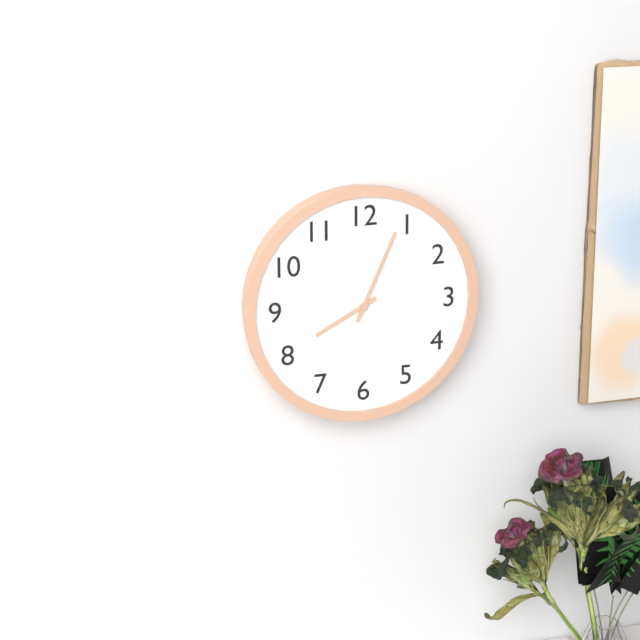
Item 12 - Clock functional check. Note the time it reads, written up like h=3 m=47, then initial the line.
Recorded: h=8 m=4
